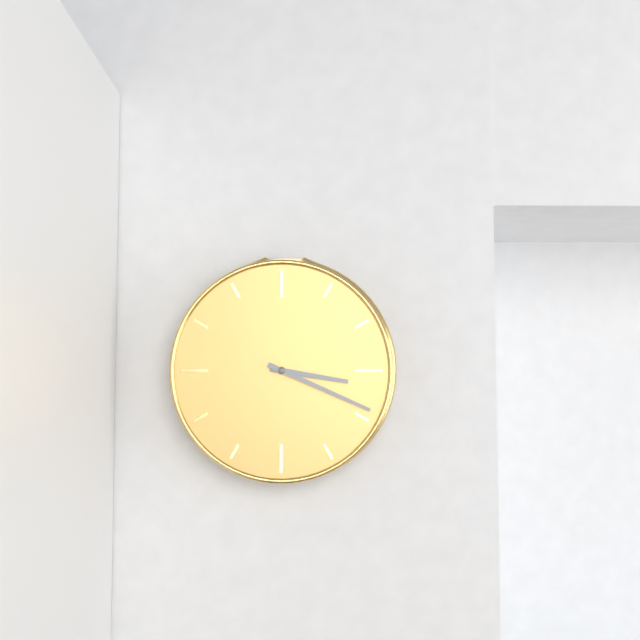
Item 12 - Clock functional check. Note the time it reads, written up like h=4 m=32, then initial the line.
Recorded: h=3 m=19
